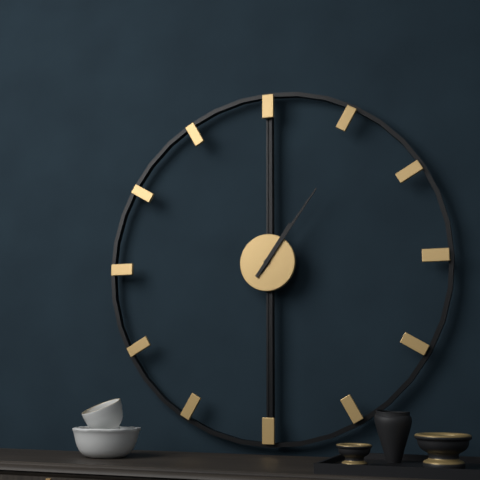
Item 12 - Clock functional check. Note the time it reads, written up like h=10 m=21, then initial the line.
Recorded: h=1 m=6
